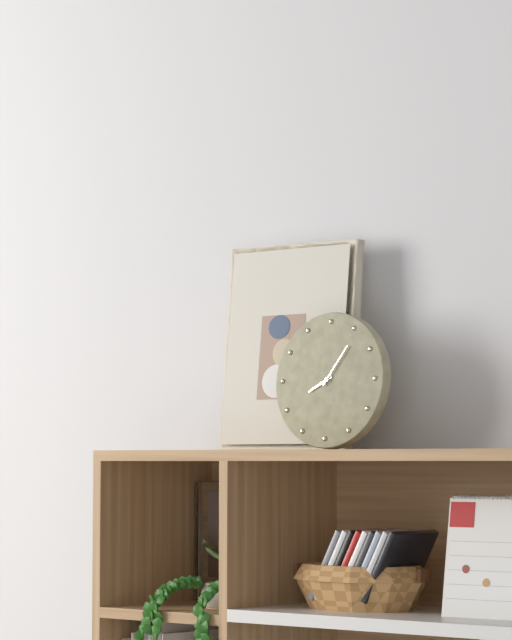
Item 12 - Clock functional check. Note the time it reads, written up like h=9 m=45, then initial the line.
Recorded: h=8 m=6
